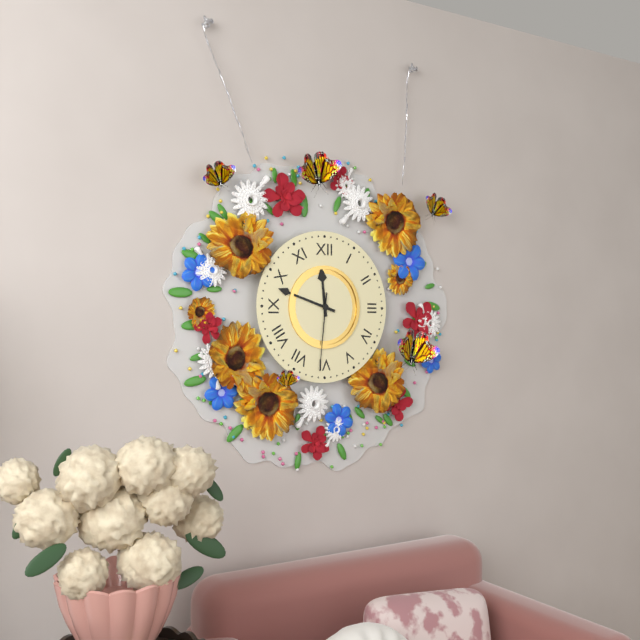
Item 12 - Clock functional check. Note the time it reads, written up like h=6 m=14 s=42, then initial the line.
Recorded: h=11 m=48 s=31
